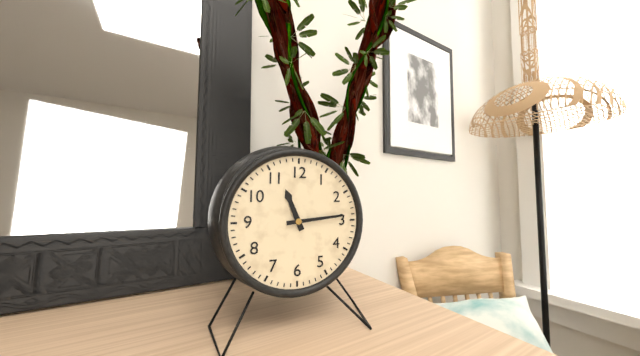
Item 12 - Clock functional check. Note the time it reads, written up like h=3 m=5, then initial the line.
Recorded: h=11 m=14
